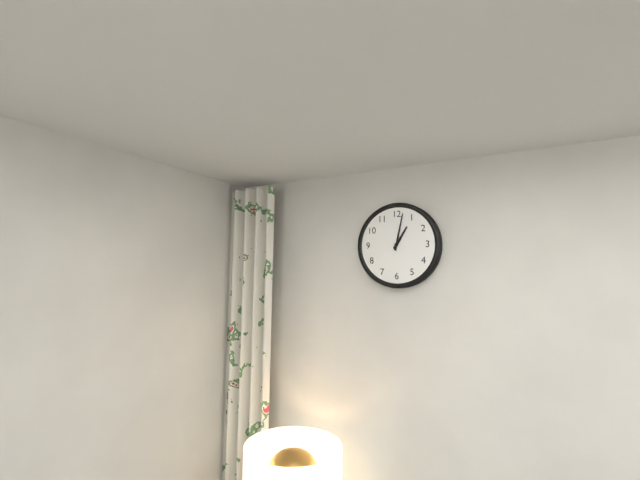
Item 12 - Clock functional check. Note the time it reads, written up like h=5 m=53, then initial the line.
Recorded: h=1 m=2
